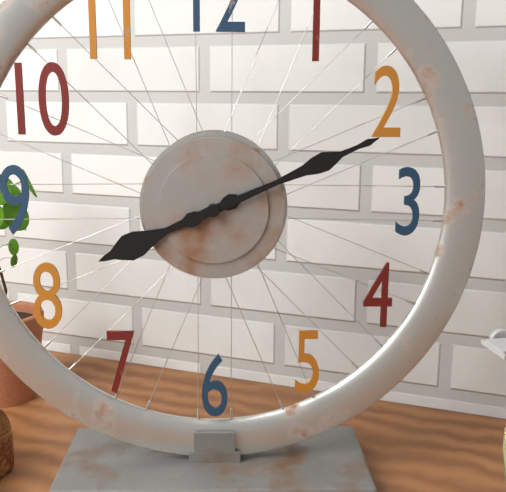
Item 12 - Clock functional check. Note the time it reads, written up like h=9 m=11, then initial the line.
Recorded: h=8 m=11
